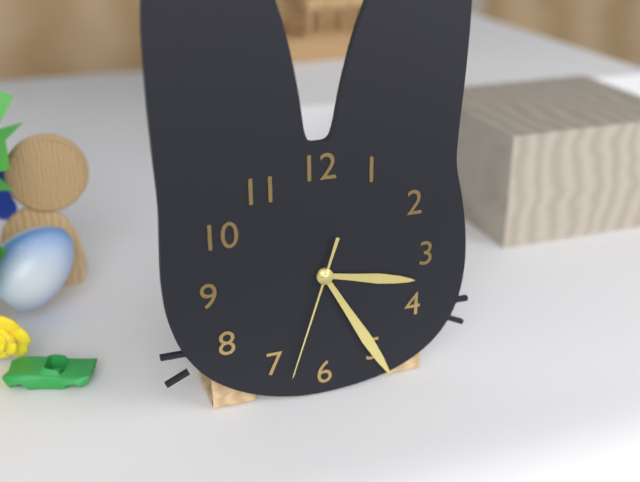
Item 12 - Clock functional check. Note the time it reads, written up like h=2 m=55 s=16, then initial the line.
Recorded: h=3 m=25 s=33
